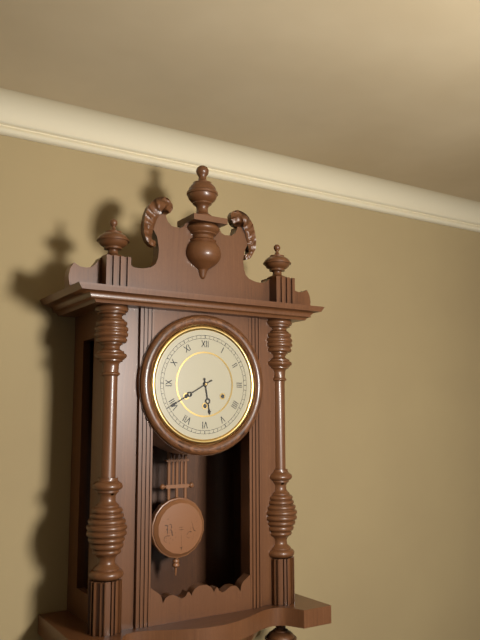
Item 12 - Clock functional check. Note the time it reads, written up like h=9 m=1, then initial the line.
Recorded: h=5 m=40
